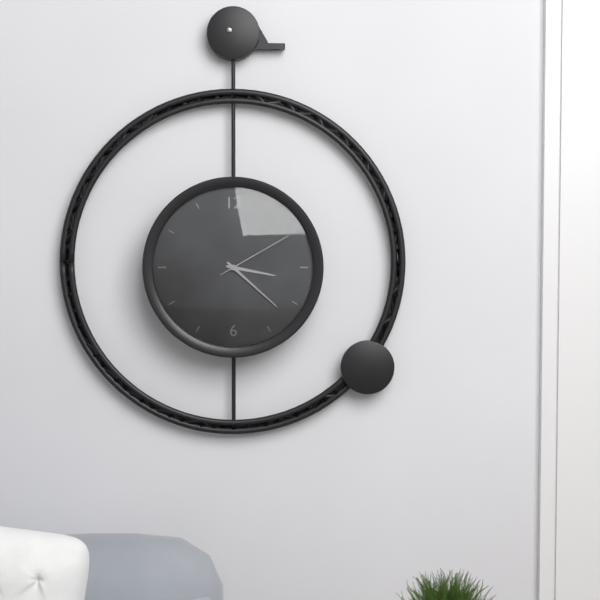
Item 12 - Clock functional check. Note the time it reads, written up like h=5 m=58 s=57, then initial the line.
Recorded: h=3 m=22 s=10
